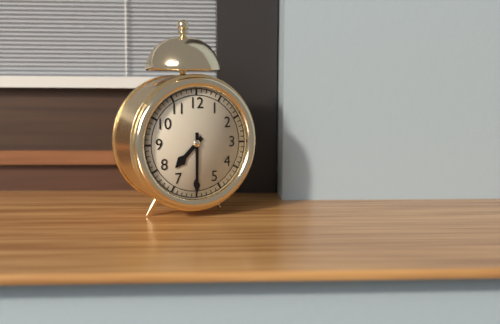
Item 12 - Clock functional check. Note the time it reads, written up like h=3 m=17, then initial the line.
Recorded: h=7 m=30
